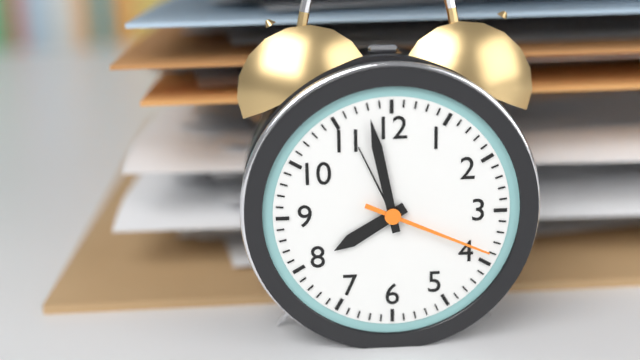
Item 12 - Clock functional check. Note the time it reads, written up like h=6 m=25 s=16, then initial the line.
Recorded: h=7 m=58 s=19
